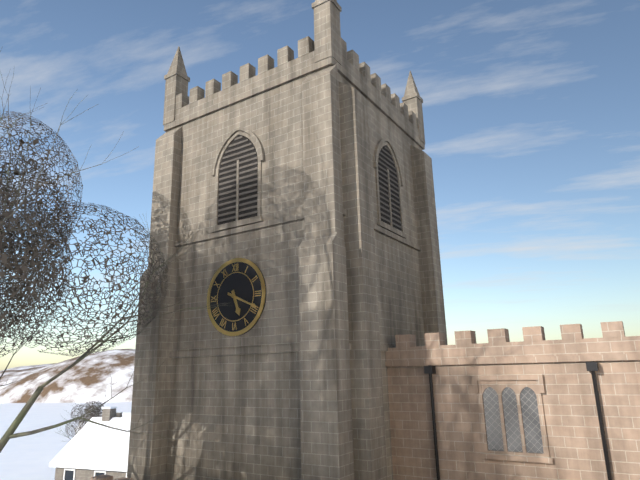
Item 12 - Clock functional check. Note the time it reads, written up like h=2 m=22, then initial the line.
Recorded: h=5 m=19
